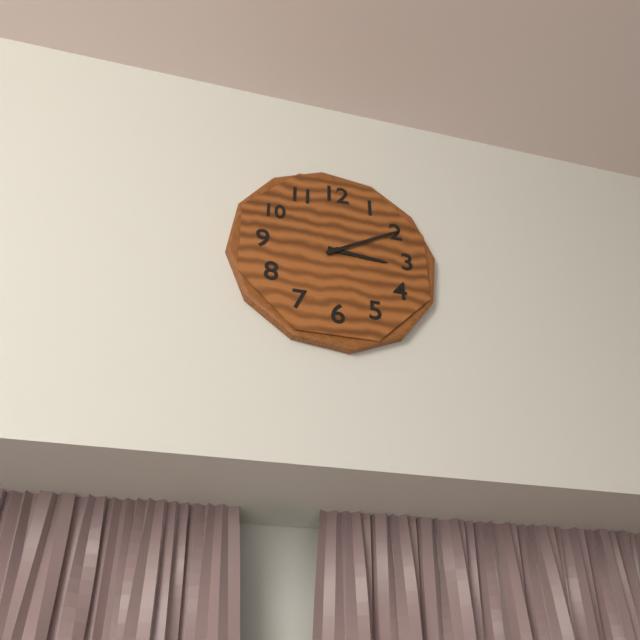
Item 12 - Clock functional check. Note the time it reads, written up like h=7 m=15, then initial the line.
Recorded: h=3 m=10
